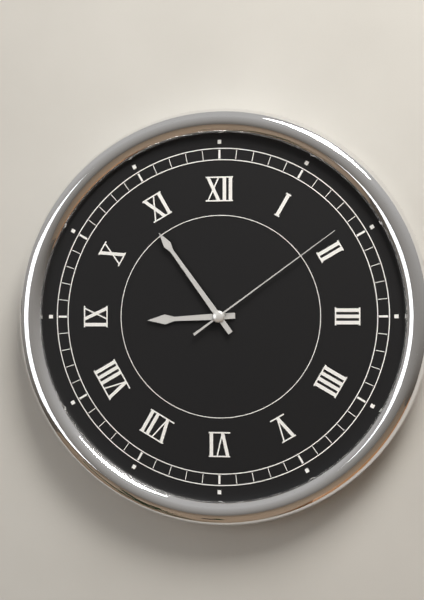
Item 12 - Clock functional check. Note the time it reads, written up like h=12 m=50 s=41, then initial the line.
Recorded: h=8 m=54 s=9
